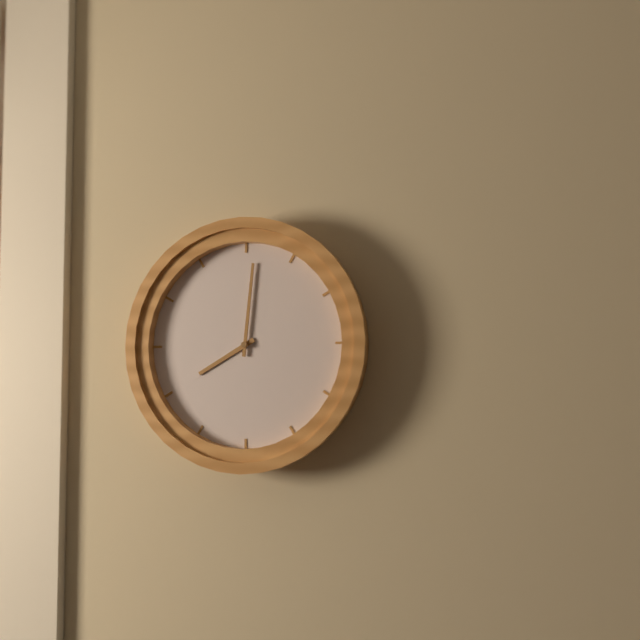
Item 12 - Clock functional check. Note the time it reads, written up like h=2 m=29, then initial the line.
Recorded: h=8 m=1
